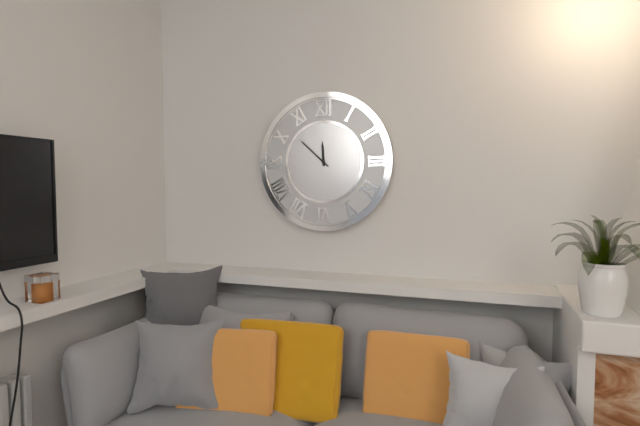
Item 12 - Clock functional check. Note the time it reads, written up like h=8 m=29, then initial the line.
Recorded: h=11 m=52
